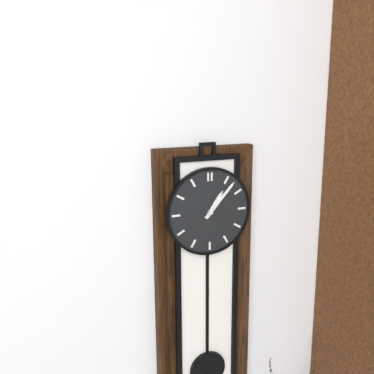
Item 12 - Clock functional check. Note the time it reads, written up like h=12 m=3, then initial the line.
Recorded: h=1 m=7
